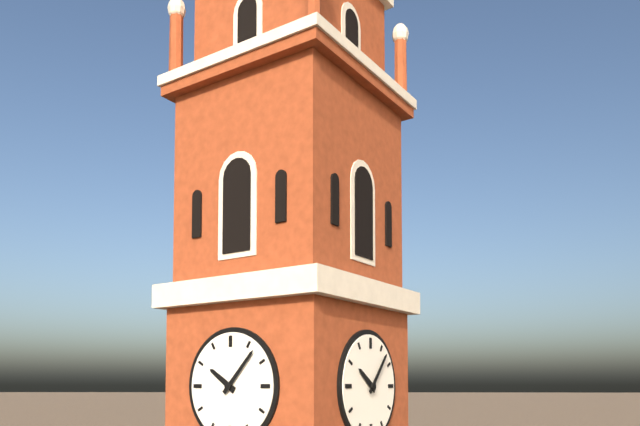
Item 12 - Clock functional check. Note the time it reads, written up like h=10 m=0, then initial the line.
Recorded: h=10 m=7
